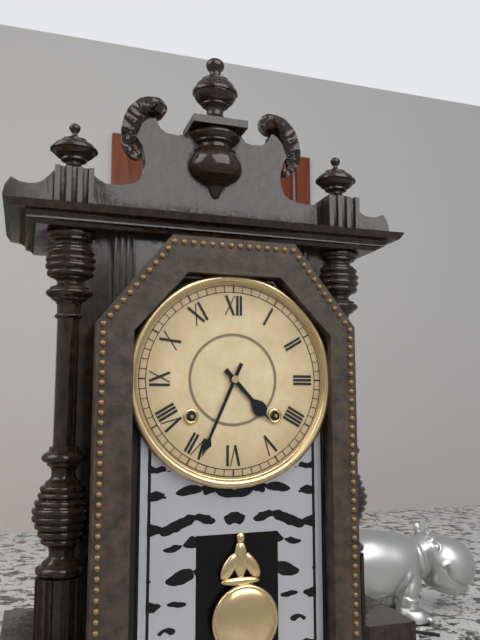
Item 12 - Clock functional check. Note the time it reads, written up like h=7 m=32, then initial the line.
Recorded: h=4 m=34
